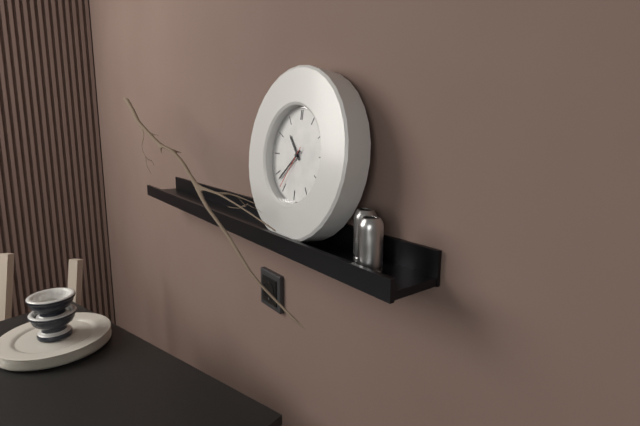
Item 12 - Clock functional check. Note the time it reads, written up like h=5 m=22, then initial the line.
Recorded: h=10 m=38
